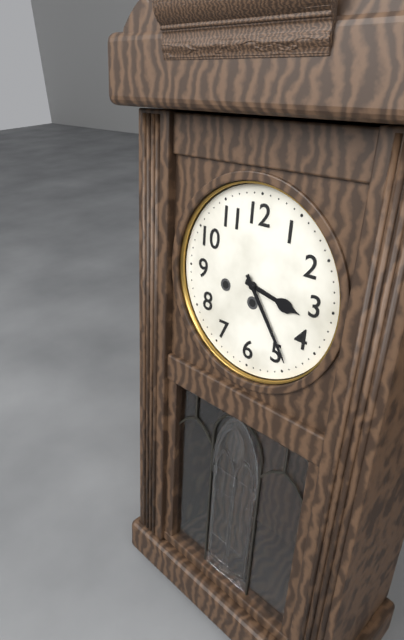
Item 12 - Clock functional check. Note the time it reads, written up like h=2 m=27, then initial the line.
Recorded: h=3 m=24
